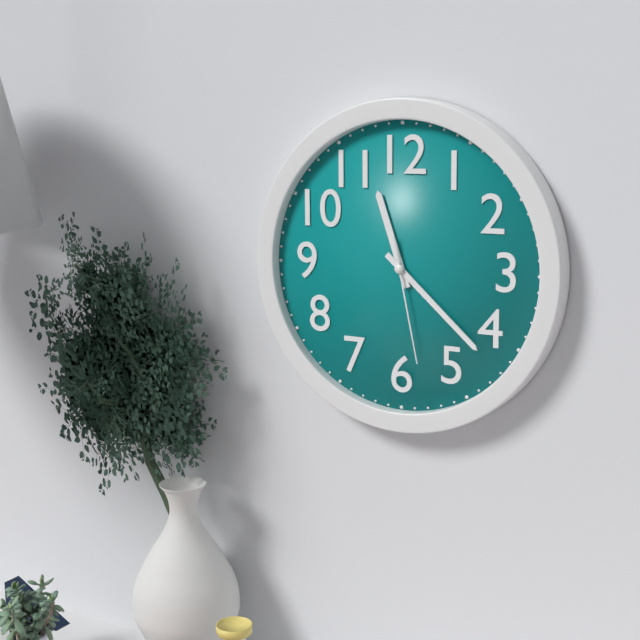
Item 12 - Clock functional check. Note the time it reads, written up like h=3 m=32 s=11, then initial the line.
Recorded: h=11 m=22 s=28
